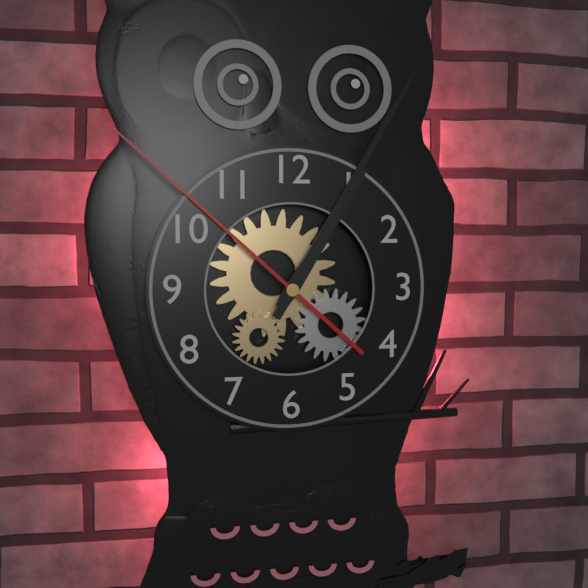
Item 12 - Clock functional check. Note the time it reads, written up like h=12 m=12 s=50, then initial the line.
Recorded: h=1 m=5 s=52
